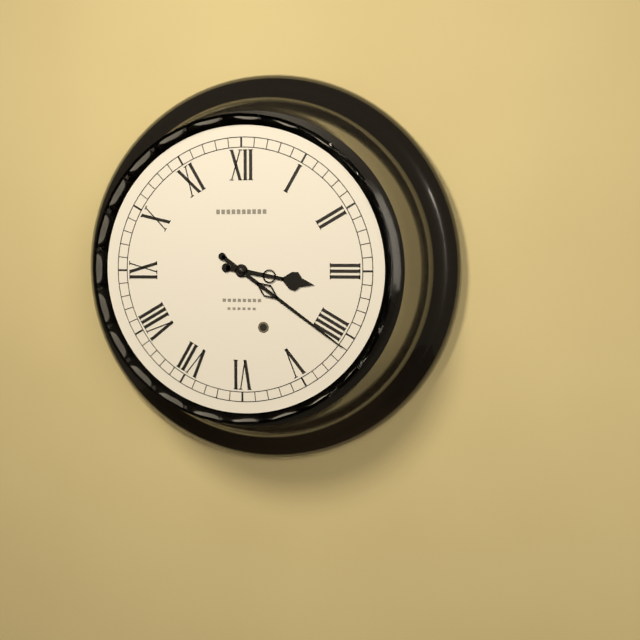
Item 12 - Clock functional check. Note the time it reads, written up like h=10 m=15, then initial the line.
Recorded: h=3 m=21
